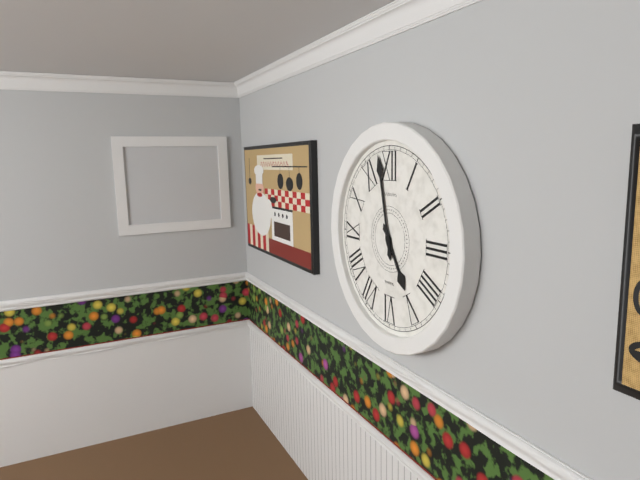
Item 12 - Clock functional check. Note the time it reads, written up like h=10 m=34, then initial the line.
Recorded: h=4 m=58
